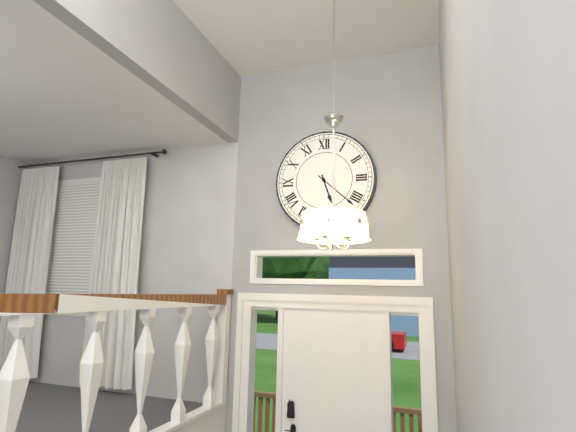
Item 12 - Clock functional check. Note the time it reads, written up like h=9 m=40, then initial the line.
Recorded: h=5 m=22
